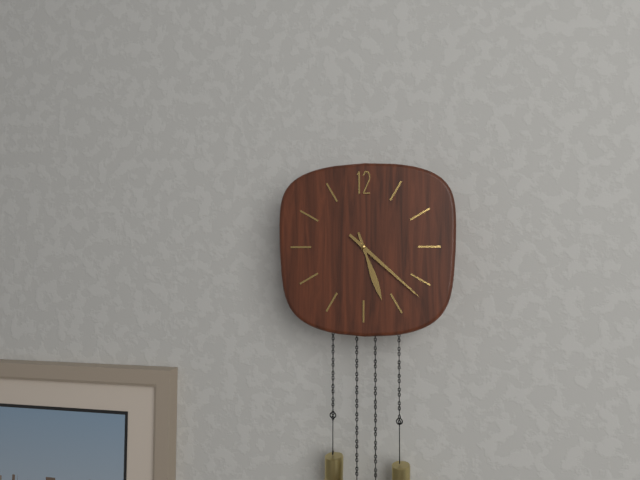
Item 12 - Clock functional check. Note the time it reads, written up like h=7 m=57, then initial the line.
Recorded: h=5 m=22
